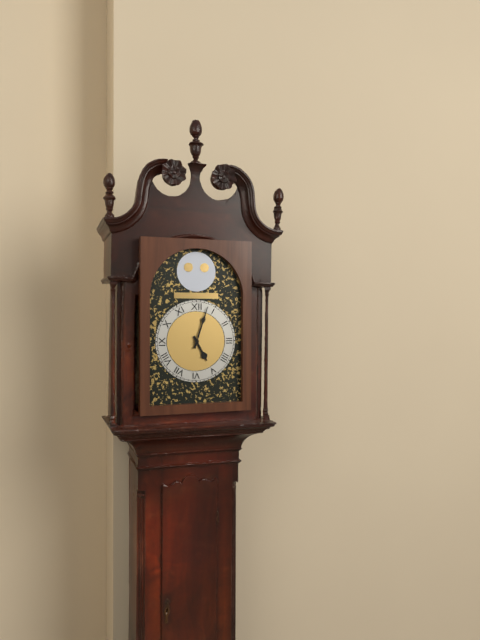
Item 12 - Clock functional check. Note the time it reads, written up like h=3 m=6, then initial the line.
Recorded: h=5 m=3
